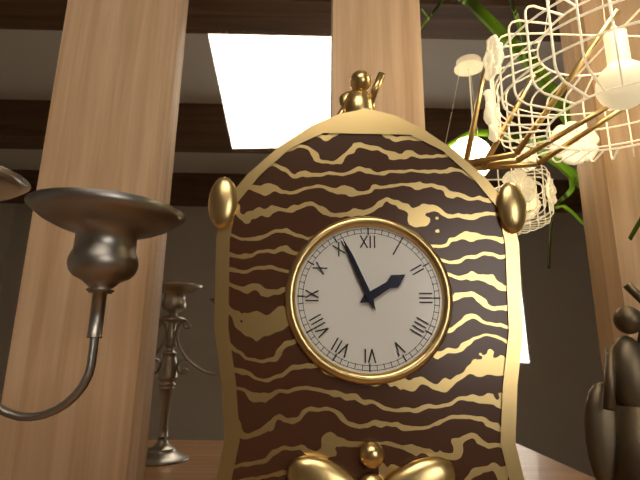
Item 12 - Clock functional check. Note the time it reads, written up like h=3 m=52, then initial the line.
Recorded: h=1 m=56
